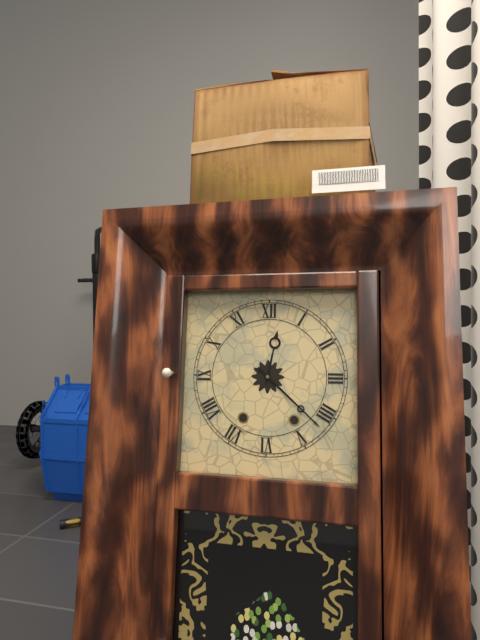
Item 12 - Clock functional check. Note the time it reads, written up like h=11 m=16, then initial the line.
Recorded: h=12 m=22
